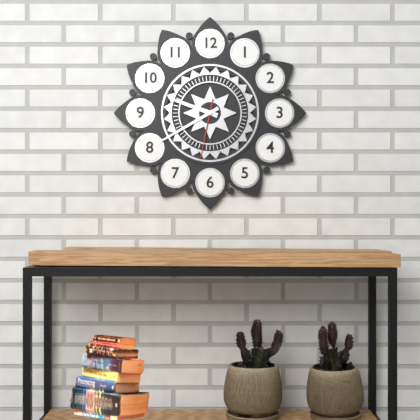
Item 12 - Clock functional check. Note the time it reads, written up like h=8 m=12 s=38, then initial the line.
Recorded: h=9 m=40 s=32
